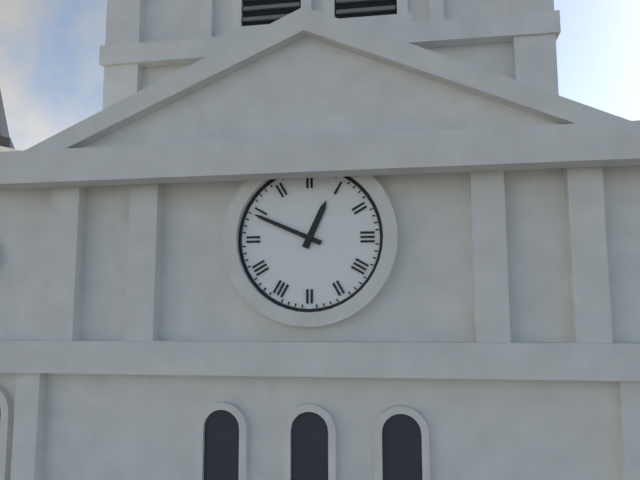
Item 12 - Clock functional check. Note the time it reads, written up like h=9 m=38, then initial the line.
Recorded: h=12 m=49
